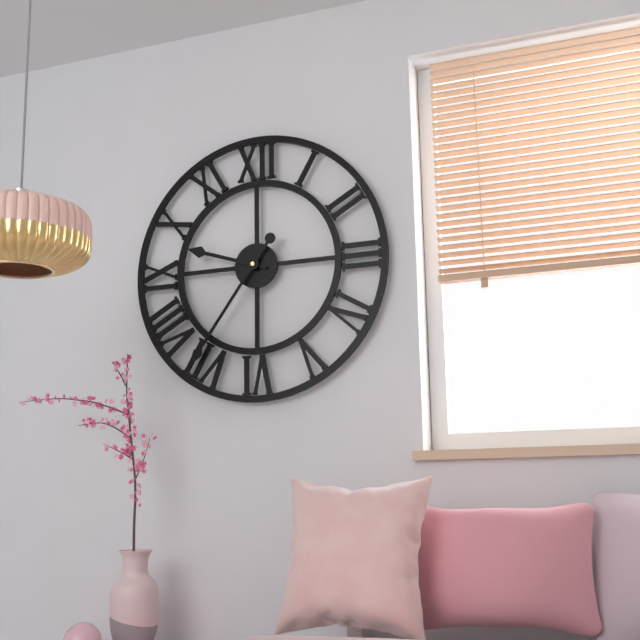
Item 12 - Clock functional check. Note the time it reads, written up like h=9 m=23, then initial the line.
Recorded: h=9 m=36
